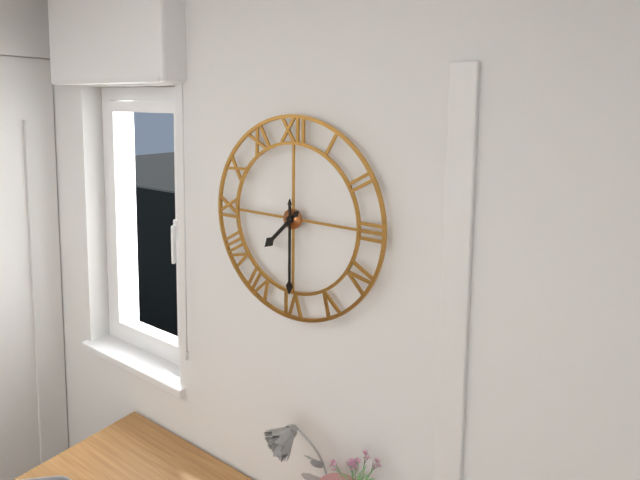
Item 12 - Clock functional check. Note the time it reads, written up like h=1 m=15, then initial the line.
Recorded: h=7 m=30
